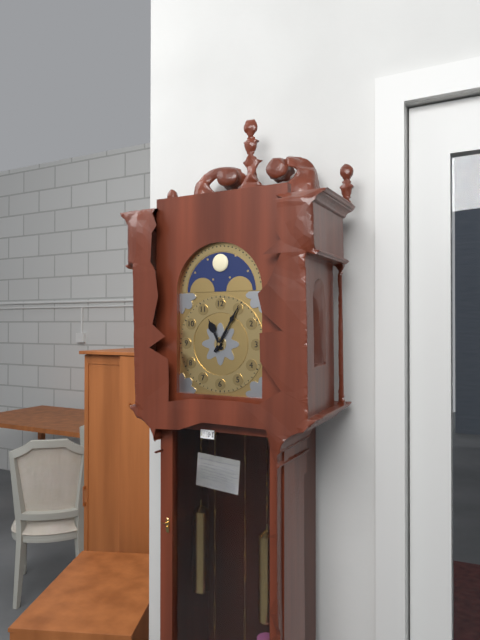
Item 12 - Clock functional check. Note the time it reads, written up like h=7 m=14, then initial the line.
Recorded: h=11 m=5
